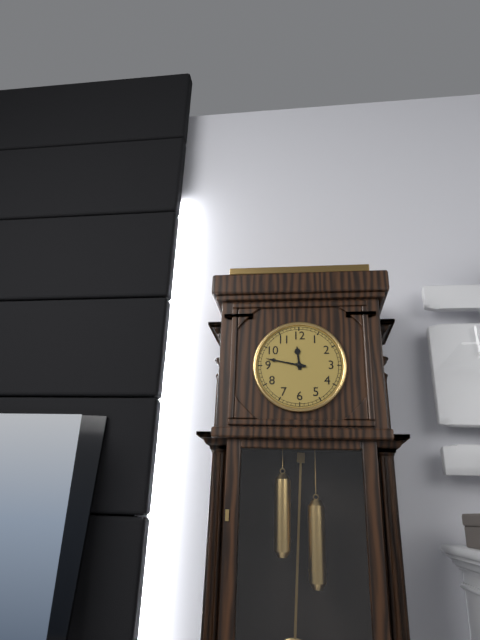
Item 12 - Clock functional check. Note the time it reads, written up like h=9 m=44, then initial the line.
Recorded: h=11 m=47
